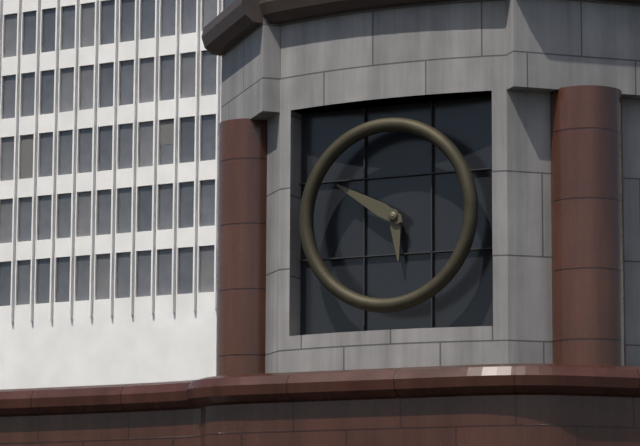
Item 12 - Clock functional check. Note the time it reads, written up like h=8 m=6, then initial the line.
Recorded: h=5 m=50
